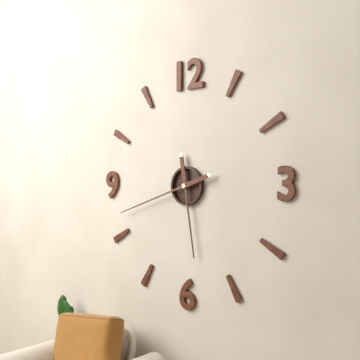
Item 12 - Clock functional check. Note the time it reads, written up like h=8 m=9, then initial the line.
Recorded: h=5 m=42
